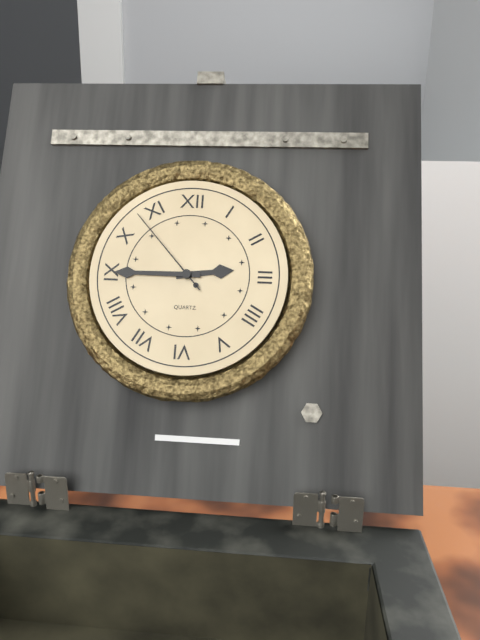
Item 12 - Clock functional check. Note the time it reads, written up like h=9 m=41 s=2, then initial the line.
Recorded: h=2 m=45 s=53
